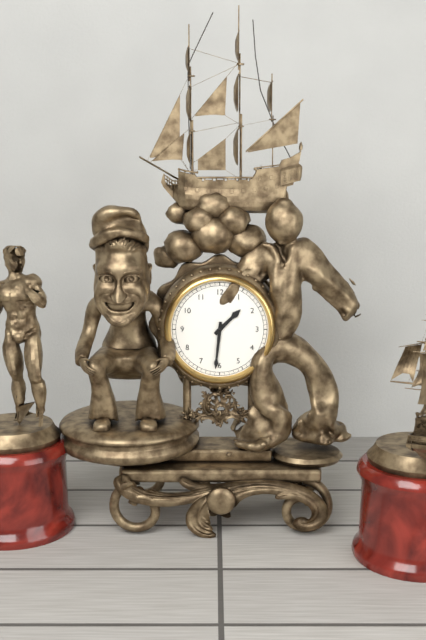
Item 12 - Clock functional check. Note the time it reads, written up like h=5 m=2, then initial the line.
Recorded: h=1 m=31
